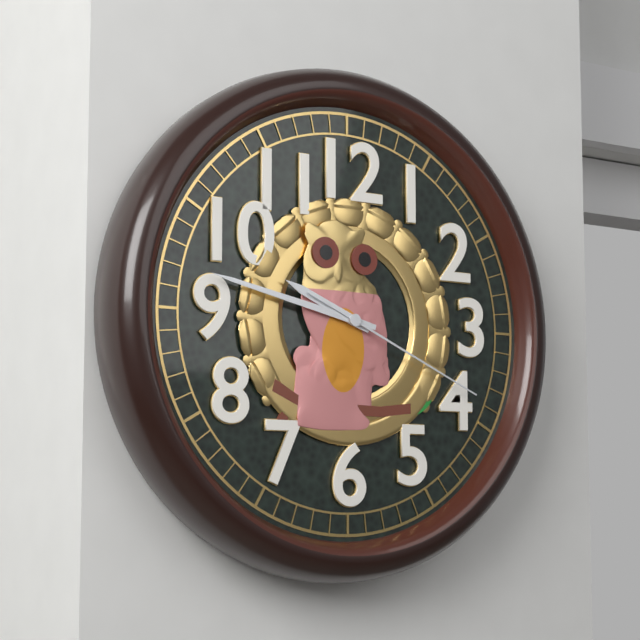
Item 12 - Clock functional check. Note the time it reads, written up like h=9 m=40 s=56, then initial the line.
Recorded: h=9 m=47 s=19
